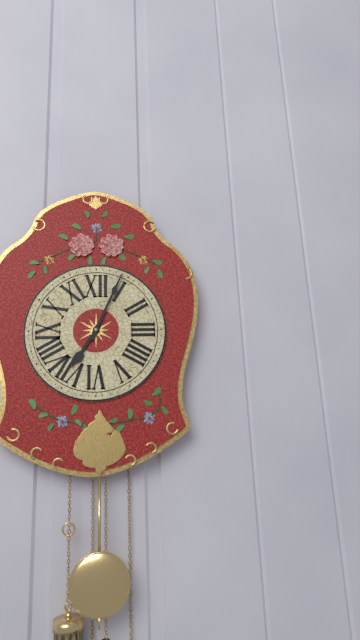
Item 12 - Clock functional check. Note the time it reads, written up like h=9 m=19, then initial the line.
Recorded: h=7 m=4
